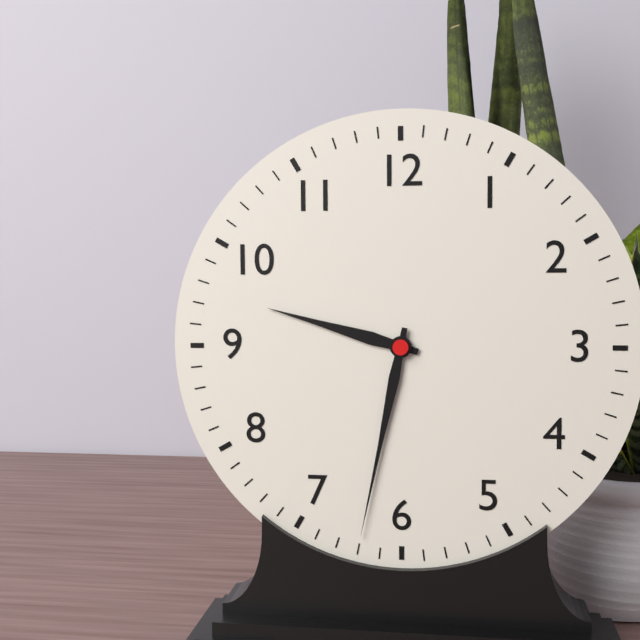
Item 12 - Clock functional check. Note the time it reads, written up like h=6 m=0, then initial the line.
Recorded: h=9 m=32
